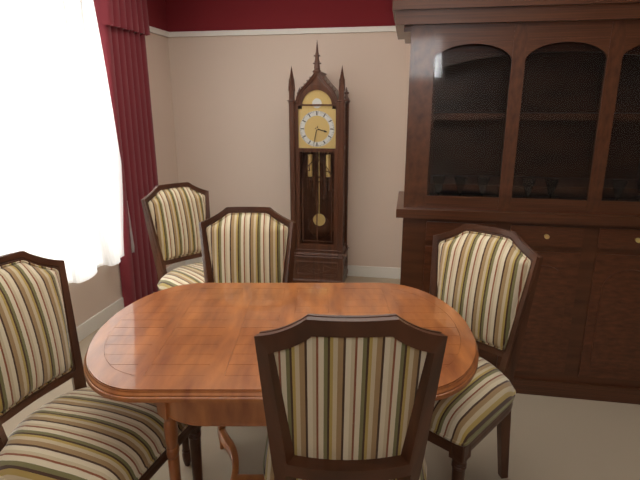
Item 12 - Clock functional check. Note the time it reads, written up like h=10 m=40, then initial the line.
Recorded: h=3 m=32
